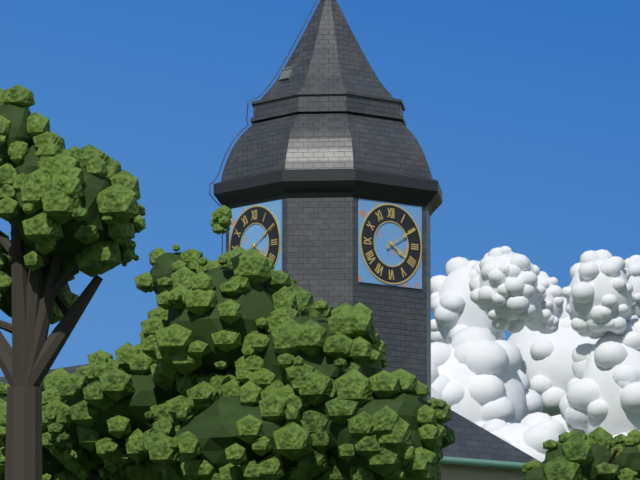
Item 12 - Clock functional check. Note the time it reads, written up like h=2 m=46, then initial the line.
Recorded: h=4 m=10
